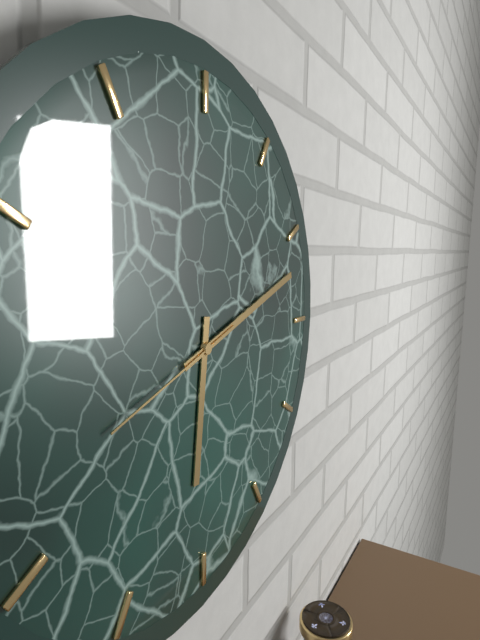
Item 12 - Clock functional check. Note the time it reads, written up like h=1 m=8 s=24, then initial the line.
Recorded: h=6 m=12 s=42
